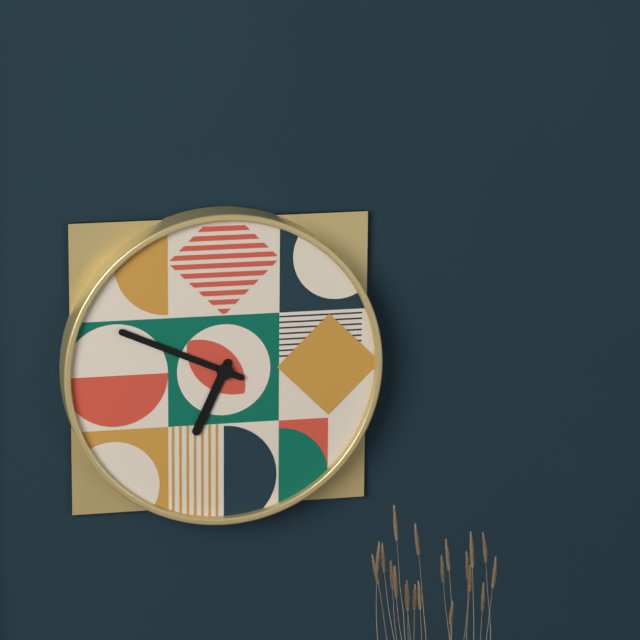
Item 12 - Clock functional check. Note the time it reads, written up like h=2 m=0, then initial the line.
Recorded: h=6 m=49
